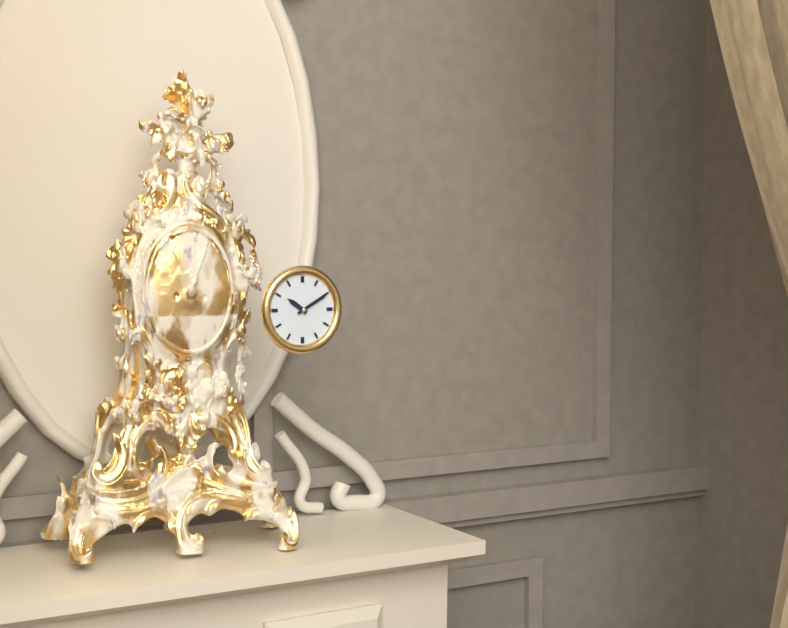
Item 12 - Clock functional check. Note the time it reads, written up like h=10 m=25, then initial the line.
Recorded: h=10 m=10
